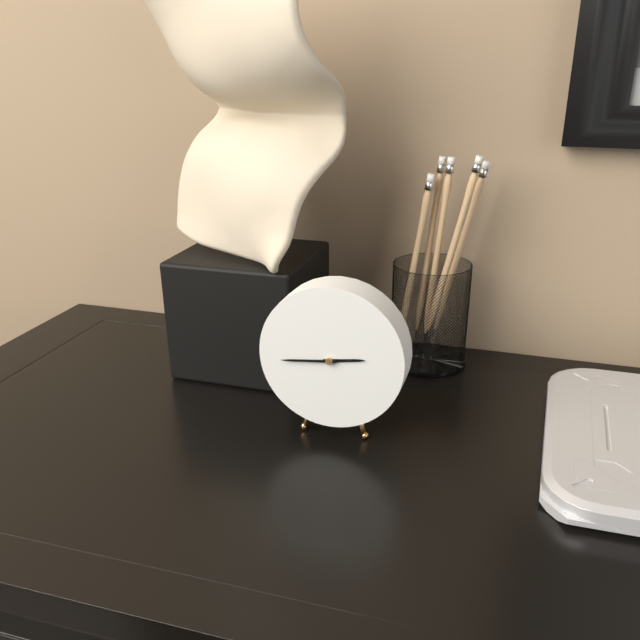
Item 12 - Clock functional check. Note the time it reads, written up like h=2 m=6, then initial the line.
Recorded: h=2 m=44
